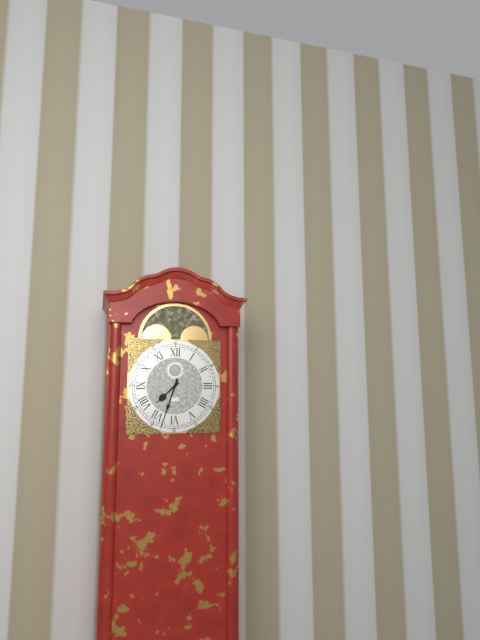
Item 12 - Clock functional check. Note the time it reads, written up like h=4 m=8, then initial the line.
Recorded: h=7 m=33
